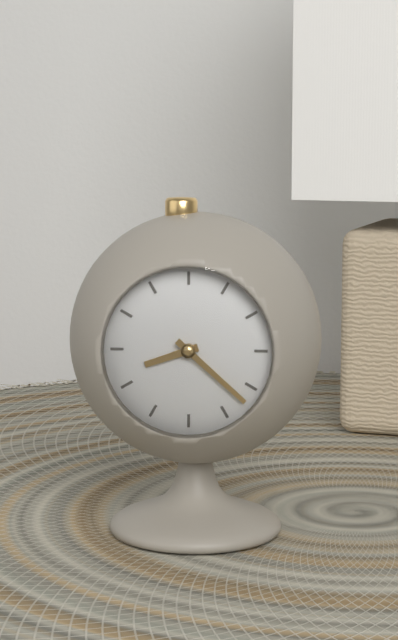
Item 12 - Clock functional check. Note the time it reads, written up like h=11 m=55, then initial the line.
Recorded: h=8 m=22
